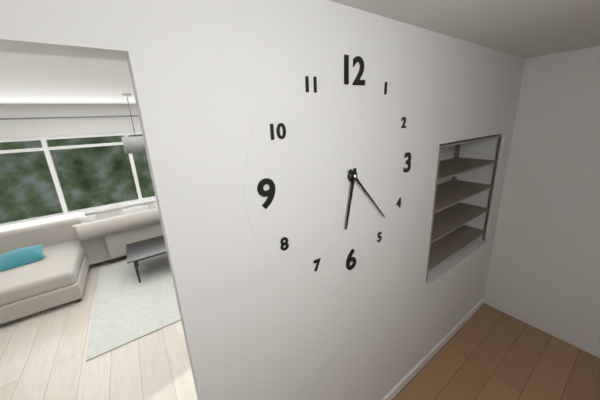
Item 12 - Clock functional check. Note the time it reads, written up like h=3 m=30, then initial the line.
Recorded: h=6 m=23
